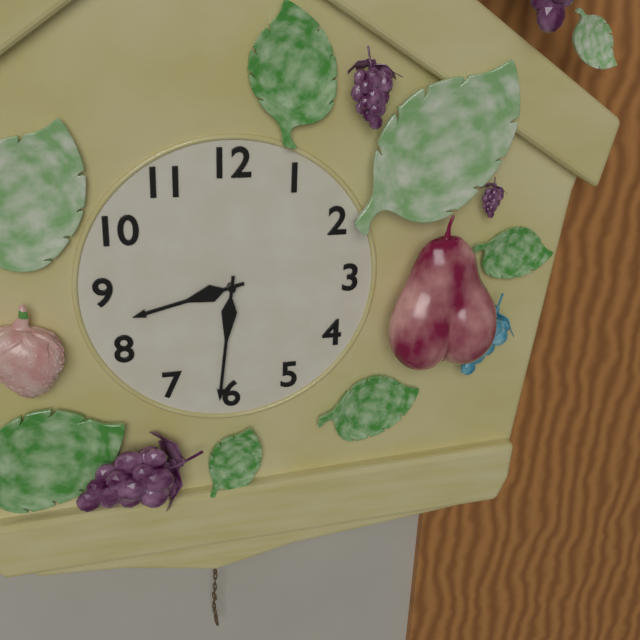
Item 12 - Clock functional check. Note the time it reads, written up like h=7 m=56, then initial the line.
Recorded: h=8 m=31
